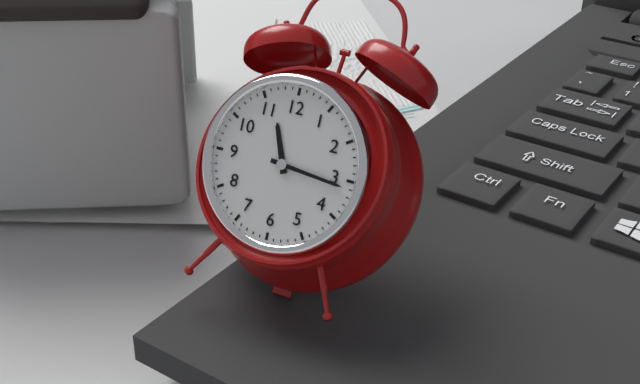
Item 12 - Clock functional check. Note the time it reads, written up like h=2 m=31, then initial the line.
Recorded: h=11 m=16
